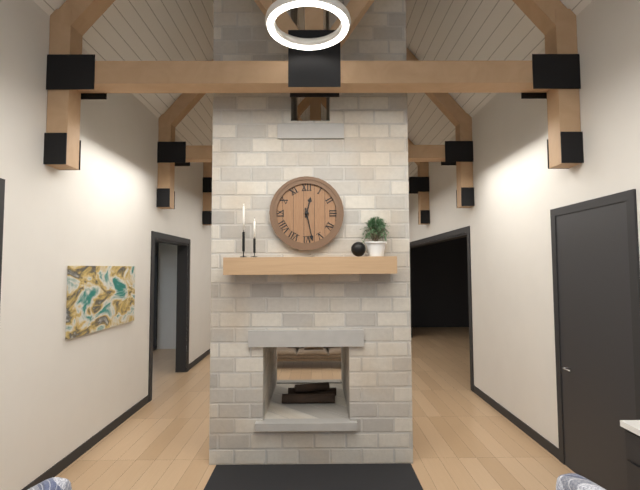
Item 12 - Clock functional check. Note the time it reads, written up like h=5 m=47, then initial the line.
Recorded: h=12 m=28
